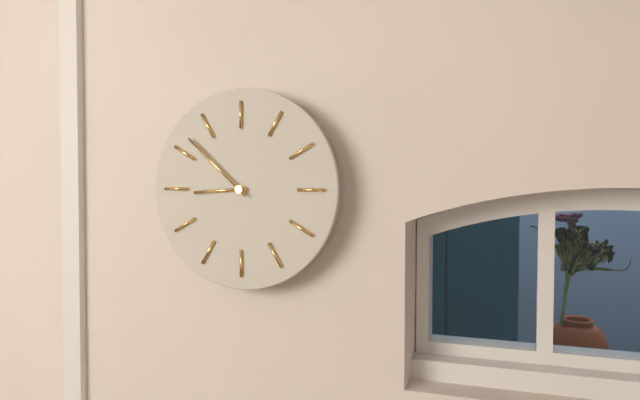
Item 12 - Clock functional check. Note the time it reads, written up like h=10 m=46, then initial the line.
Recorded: h=8 m=52
